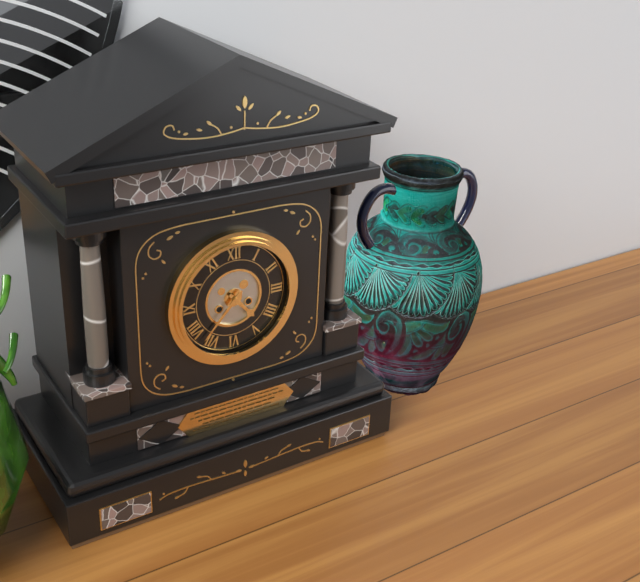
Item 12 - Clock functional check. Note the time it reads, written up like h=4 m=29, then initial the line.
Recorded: h=4 m=37
